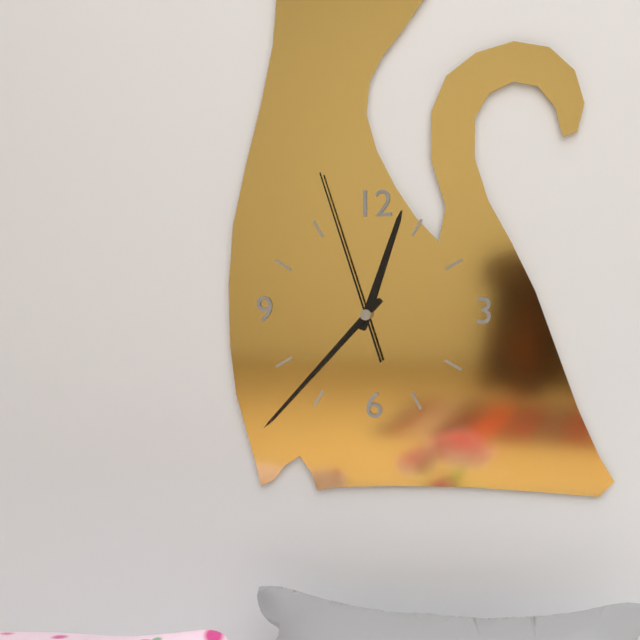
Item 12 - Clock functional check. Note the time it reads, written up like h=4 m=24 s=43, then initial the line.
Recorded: h=12 m=37 s=57
